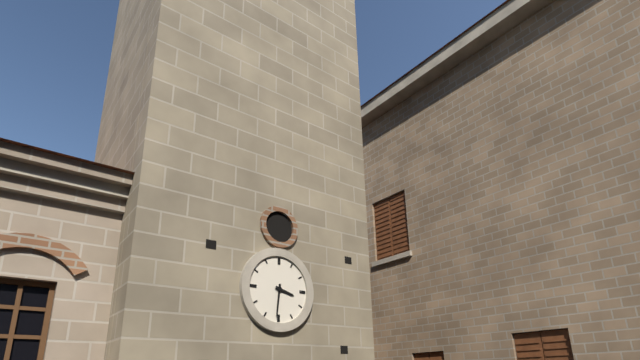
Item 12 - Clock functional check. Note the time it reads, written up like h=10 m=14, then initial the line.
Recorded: h=3 m=31
